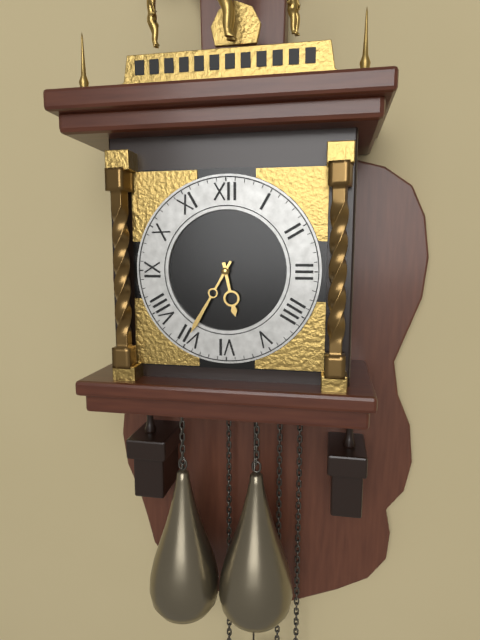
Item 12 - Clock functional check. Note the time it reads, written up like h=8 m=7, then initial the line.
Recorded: h=5 m=35
